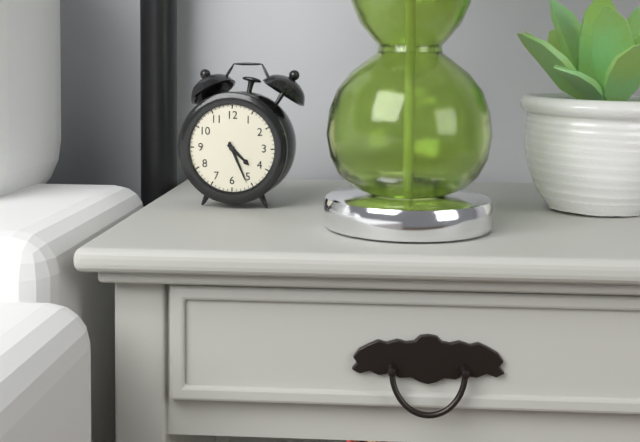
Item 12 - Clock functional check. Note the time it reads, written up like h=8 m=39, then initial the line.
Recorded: h=4 m=26
